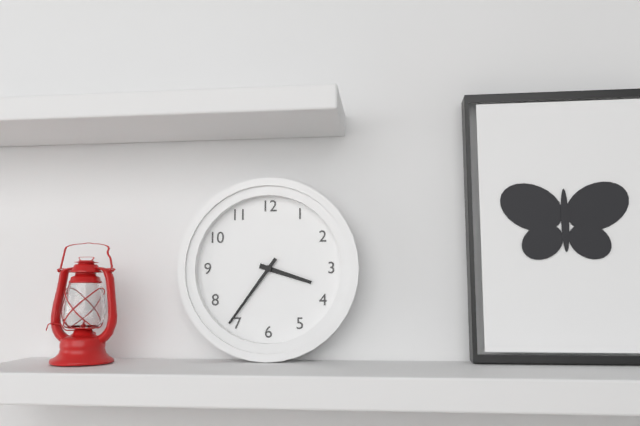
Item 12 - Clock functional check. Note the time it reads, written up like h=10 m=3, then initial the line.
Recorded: h=3 m=36
